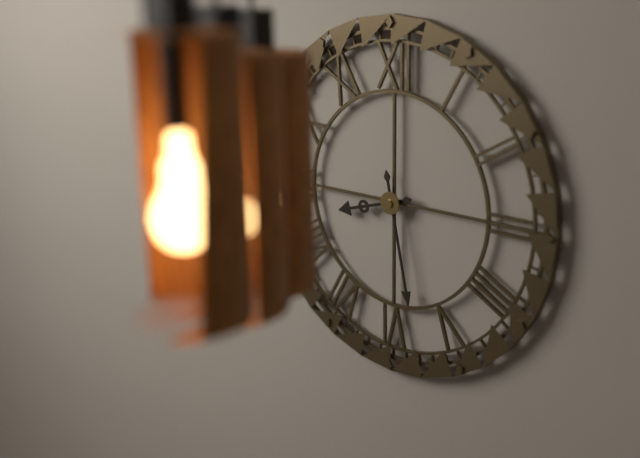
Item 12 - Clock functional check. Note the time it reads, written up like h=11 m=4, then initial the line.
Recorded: h=8 m=28
